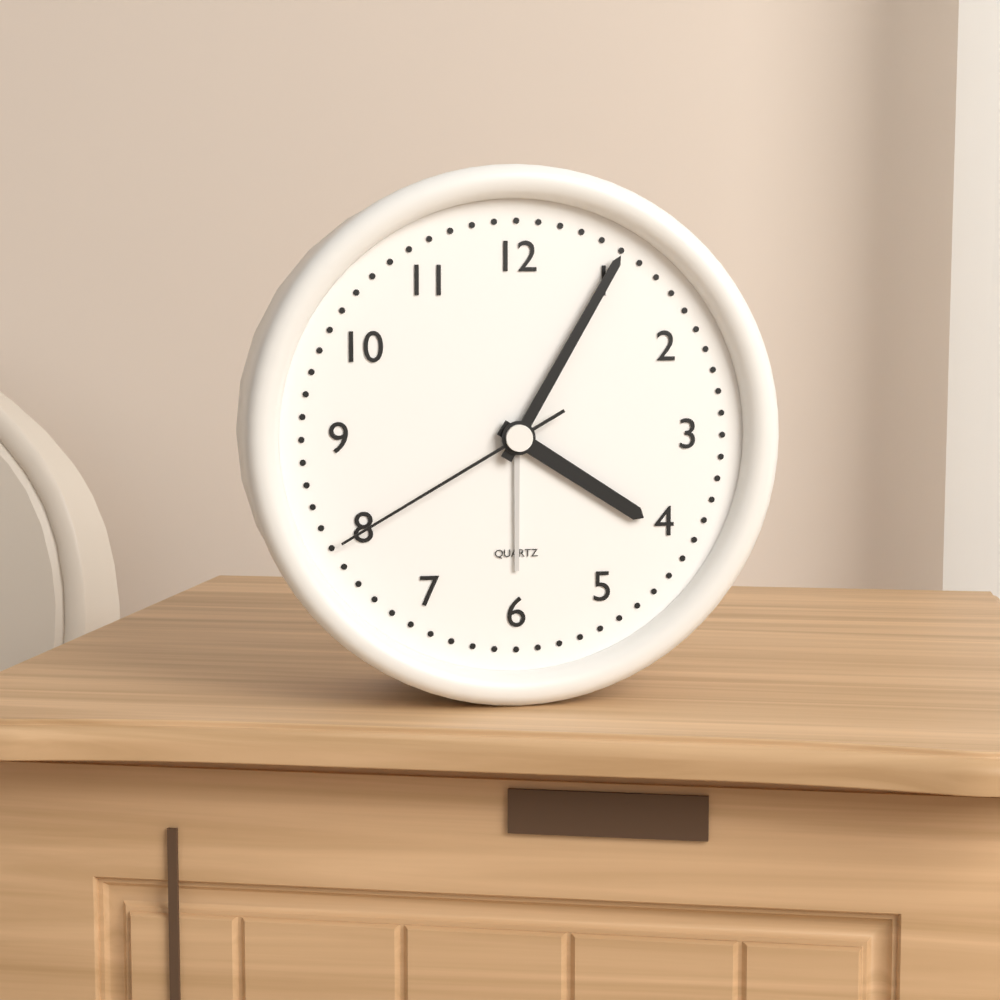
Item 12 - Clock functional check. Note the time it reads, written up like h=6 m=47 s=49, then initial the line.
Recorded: h=4 m=5 s=40
